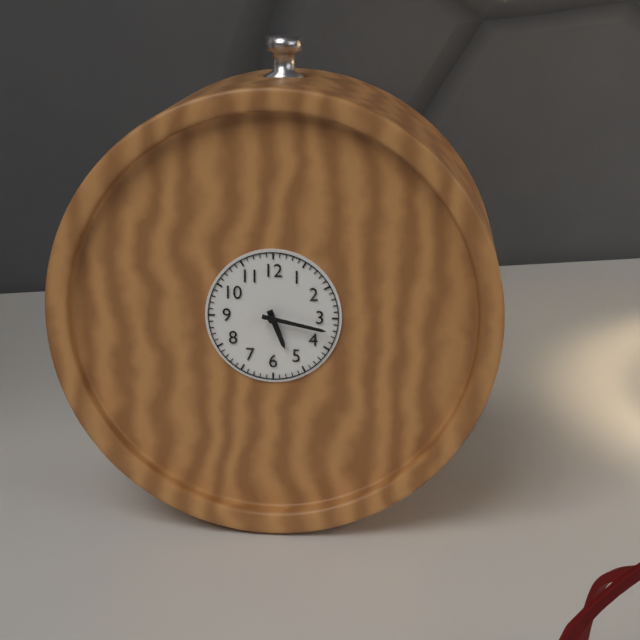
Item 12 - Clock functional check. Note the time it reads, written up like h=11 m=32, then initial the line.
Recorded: h=5 m=17
